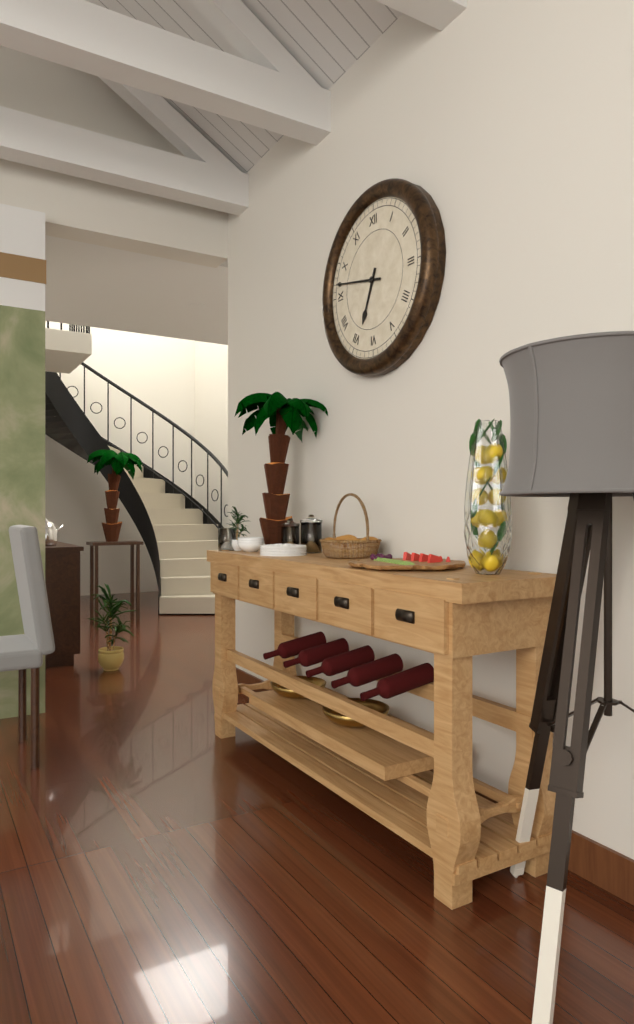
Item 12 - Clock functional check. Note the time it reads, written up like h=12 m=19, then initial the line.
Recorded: h=6 m=47
